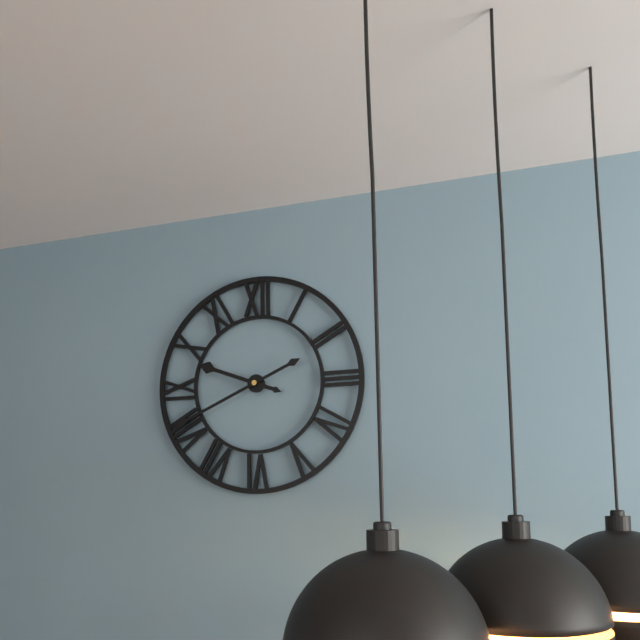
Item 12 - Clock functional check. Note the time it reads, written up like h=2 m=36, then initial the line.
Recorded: h=9 m=41
